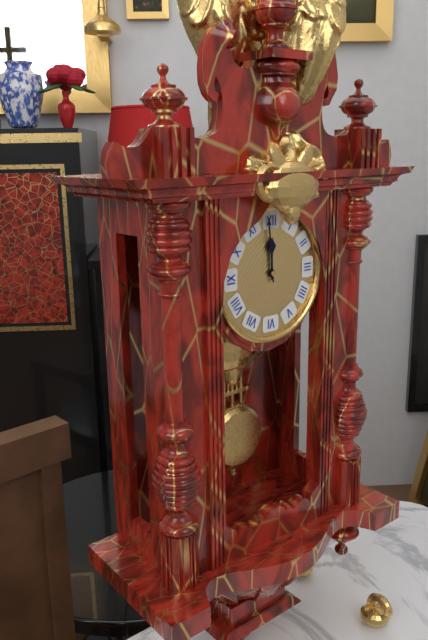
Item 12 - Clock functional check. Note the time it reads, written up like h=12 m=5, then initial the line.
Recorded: h=11 m=59
